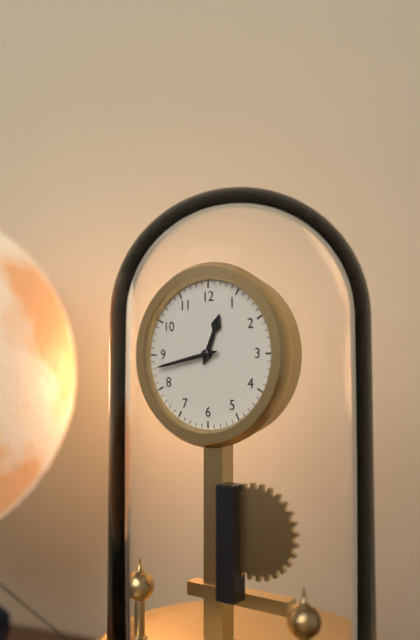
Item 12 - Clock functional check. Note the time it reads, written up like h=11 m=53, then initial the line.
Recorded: h=12 m=43
